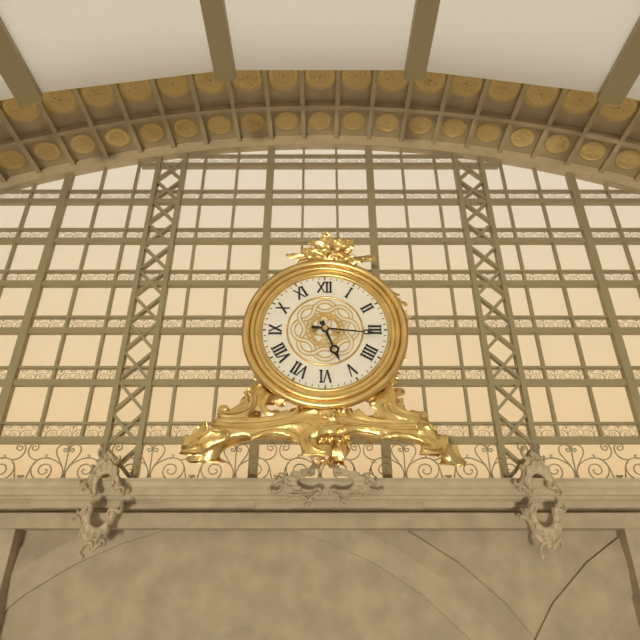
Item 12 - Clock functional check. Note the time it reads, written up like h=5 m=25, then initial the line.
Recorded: h=5 m=16
